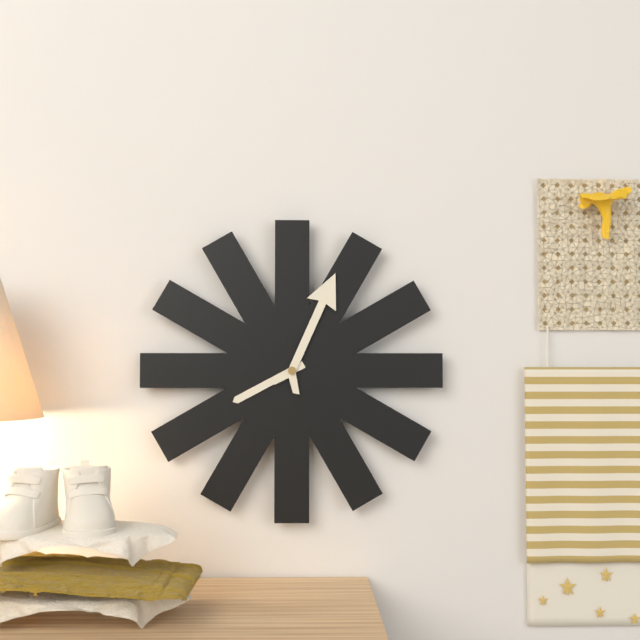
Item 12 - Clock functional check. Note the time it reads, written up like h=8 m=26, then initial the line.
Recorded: h=8 m=4
